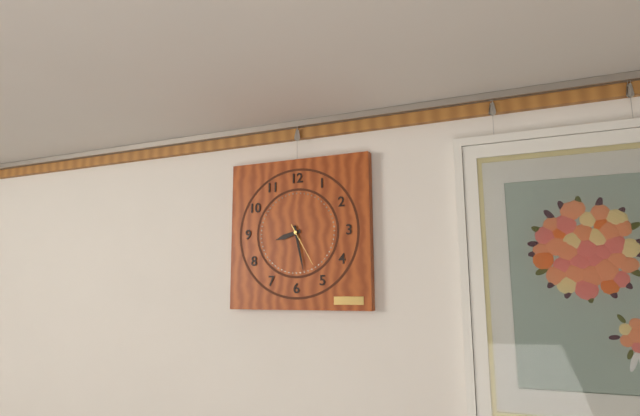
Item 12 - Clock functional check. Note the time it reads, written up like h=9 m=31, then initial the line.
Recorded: h=8 m=28
